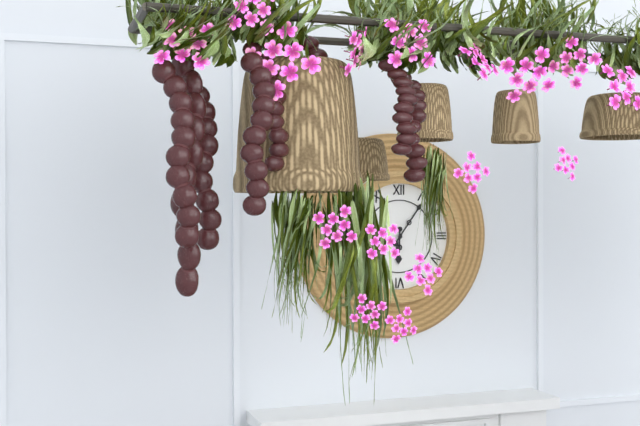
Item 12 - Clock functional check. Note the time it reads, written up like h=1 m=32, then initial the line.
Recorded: h=6 m=6
